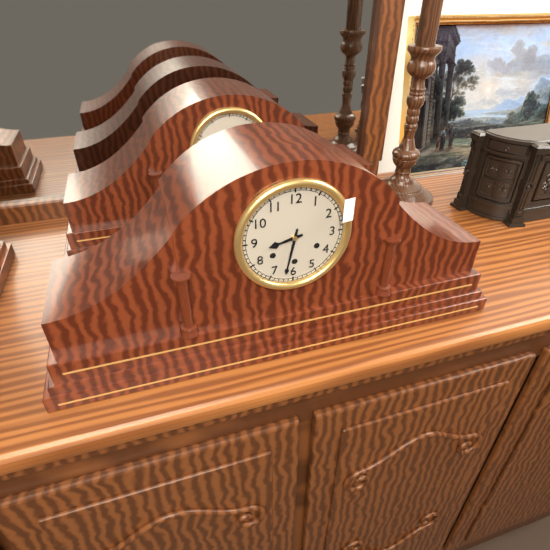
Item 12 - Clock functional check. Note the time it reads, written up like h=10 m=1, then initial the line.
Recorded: h=8 m=32
